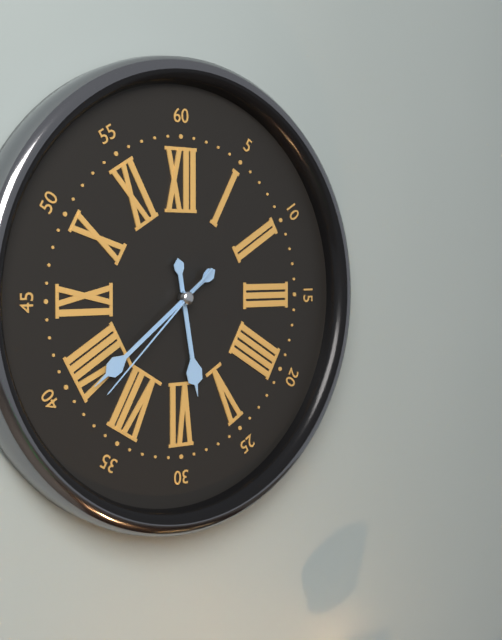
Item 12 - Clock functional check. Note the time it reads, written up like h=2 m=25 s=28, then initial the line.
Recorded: h=5 m=39 s=38
